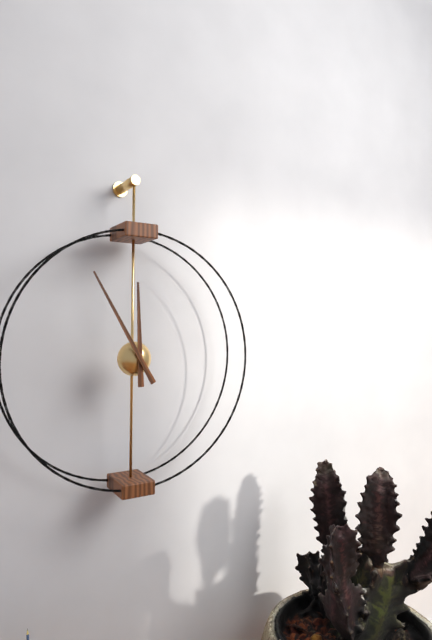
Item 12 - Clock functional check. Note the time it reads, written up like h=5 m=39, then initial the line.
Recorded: h=11 m=55
